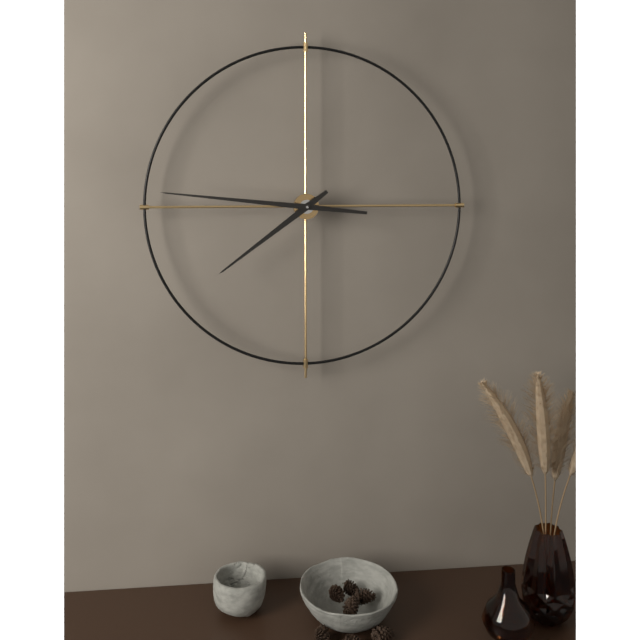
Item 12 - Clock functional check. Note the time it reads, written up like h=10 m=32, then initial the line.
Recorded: h=7 m=46
